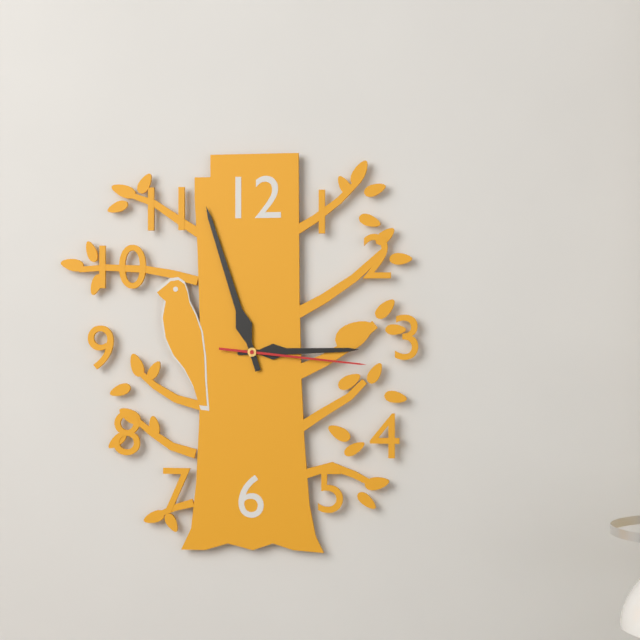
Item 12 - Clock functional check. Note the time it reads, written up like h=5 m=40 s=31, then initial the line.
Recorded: h=2 m=57 s=16
